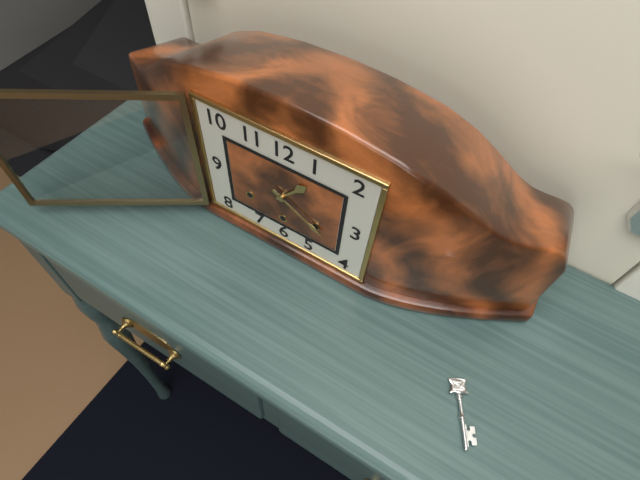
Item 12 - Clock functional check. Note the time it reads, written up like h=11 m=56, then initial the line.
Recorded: h=1 m=20
